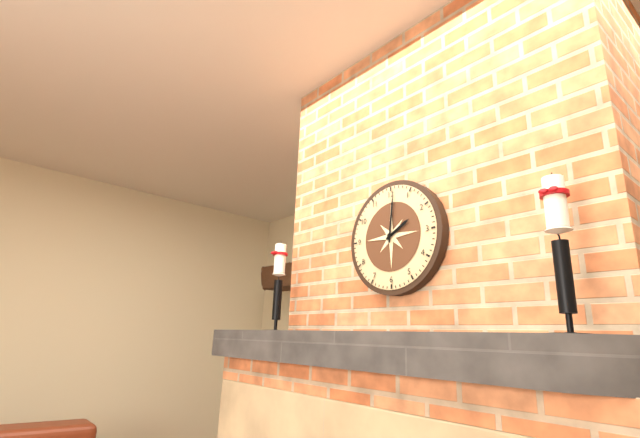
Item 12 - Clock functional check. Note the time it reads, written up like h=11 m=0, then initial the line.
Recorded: h=2 m=1
